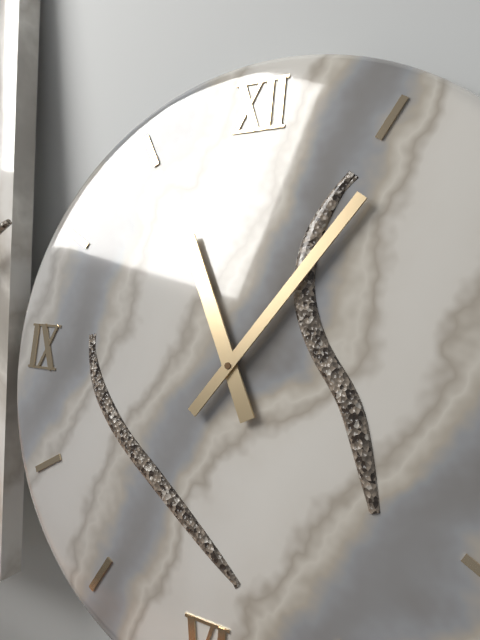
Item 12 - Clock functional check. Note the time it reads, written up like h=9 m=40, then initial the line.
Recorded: h=11 m=6
